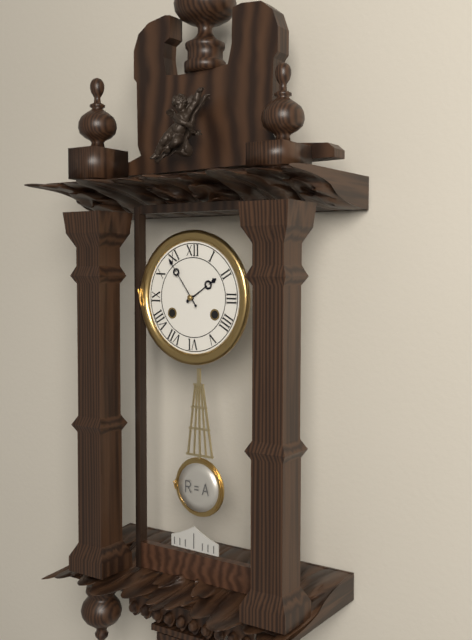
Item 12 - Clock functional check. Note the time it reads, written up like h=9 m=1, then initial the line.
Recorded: h=1 m=54
